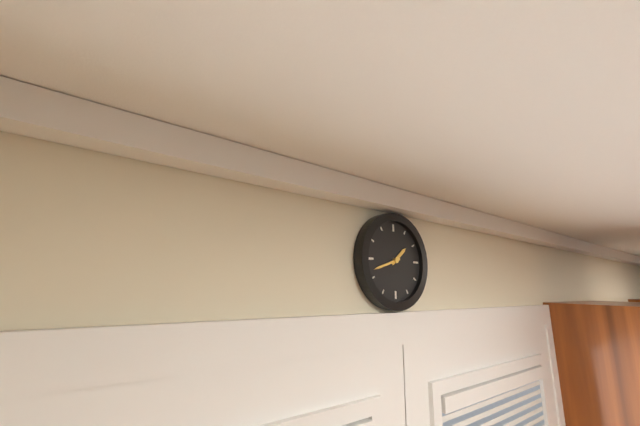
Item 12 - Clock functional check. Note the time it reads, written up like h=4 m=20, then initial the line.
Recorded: h=1 m=42
